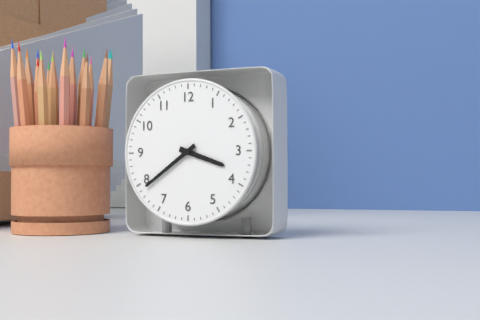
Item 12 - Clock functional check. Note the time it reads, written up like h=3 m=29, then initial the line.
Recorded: h=3 m=39
